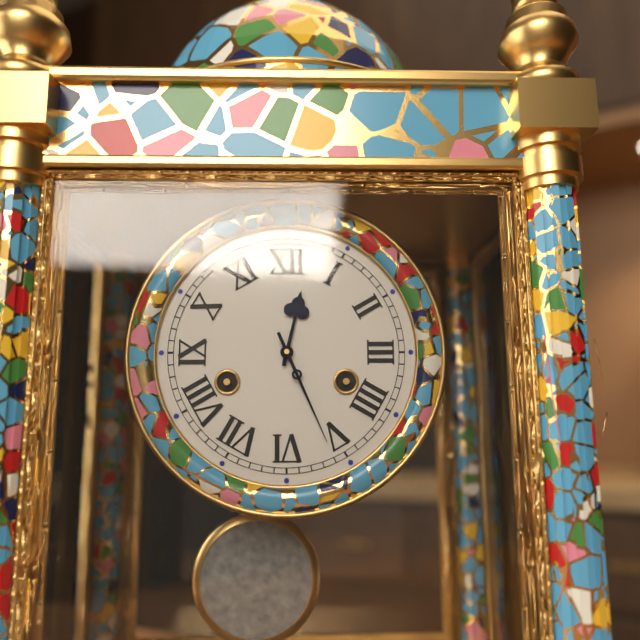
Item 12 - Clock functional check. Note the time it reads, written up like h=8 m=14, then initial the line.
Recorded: h=12 m=26
